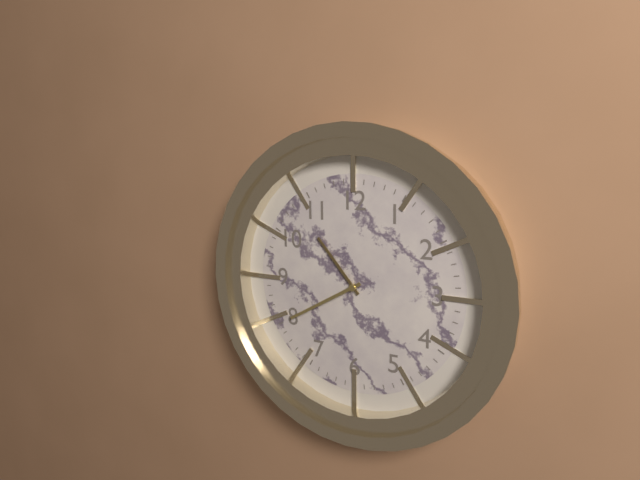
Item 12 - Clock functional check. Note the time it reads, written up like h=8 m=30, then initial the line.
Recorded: h=10 m=40
